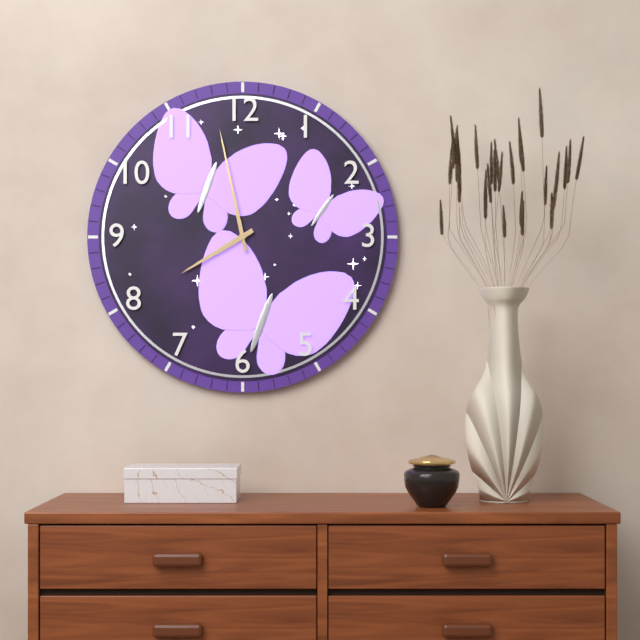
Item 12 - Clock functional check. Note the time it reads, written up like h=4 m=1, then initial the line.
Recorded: h=7 m=58
